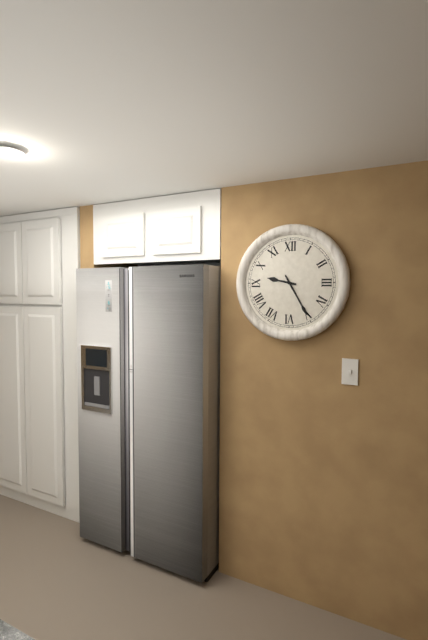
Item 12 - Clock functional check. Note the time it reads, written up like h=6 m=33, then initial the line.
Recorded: h=9 m=25
